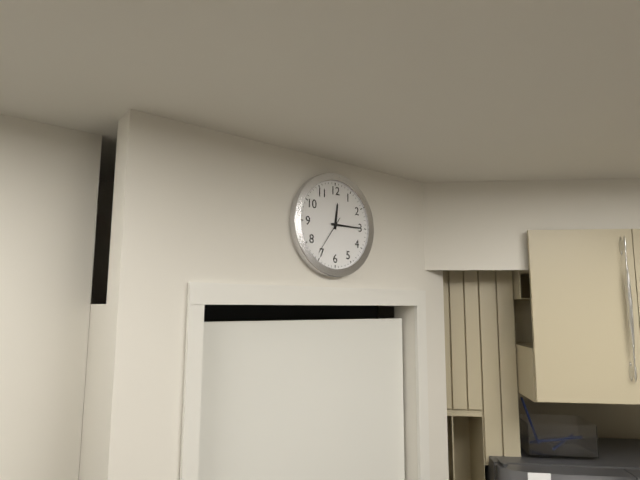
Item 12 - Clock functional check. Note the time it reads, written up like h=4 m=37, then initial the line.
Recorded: h=12 m=15
